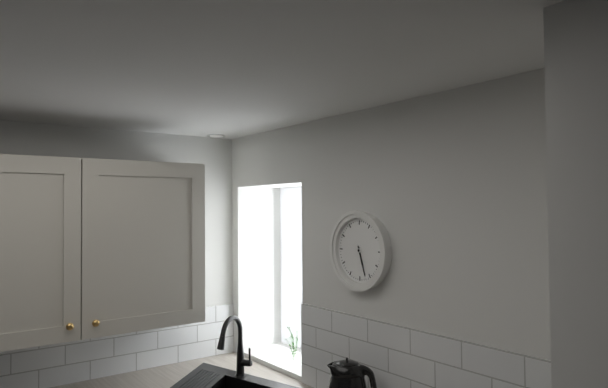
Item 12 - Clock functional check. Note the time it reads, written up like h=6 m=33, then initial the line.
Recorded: h=5 m=27
